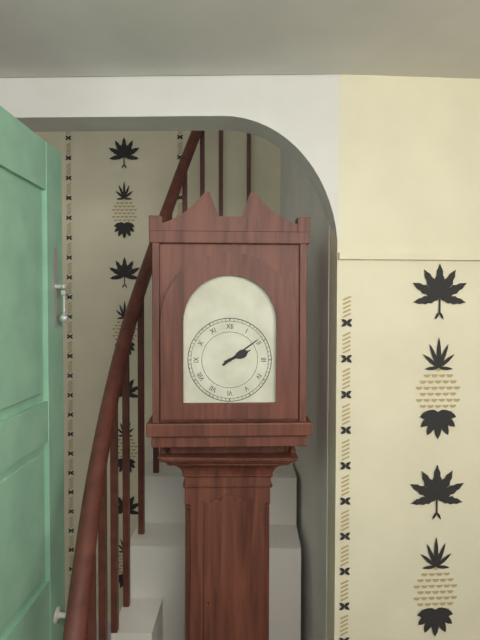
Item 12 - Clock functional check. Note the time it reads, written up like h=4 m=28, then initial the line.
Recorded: h=2 m=9
